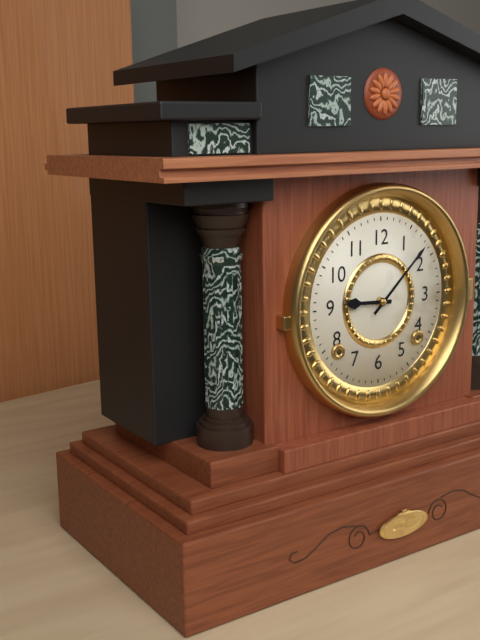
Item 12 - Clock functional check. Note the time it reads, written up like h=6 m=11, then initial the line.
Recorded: h=9 m=8
